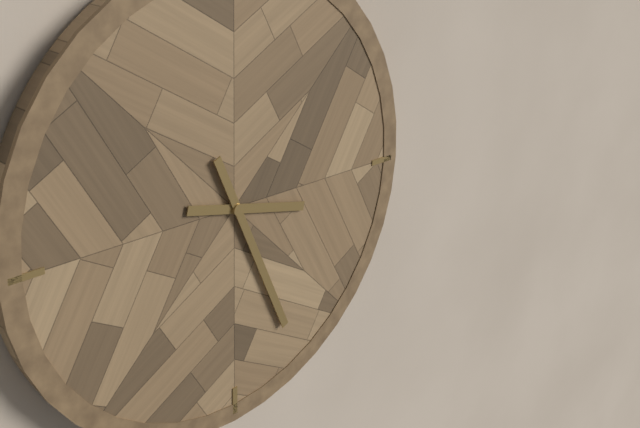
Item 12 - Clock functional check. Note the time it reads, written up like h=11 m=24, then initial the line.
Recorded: h=3 m=26
